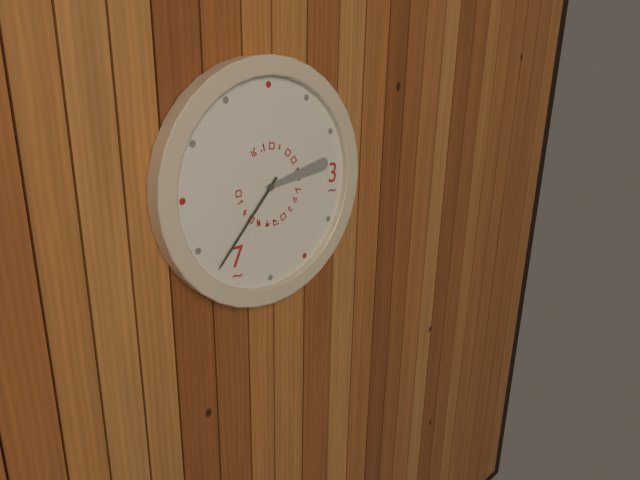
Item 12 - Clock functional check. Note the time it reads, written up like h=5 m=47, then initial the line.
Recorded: h=2 m=37
